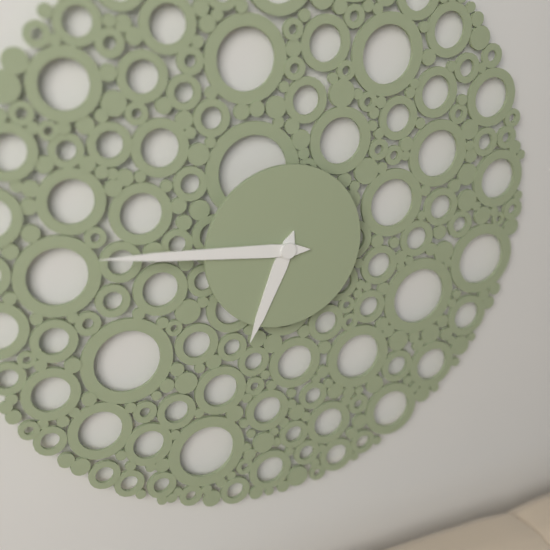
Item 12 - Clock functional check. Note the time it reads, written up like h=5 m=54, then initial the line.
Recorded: h=6 m=46
